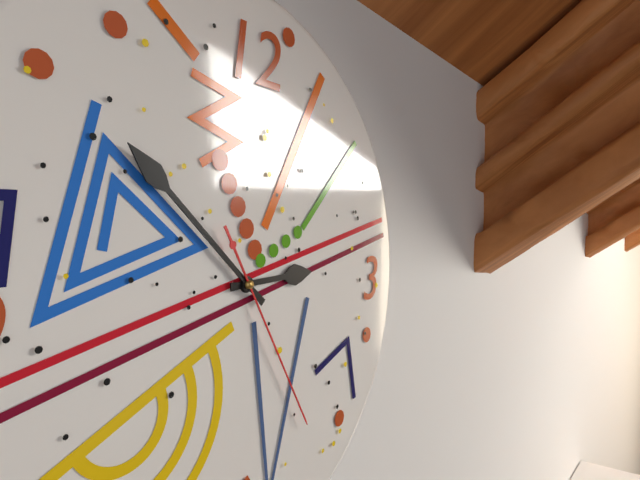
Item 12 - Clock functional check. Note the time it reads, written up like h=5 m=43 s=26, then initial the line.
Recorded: h=2 m=52 s=25
